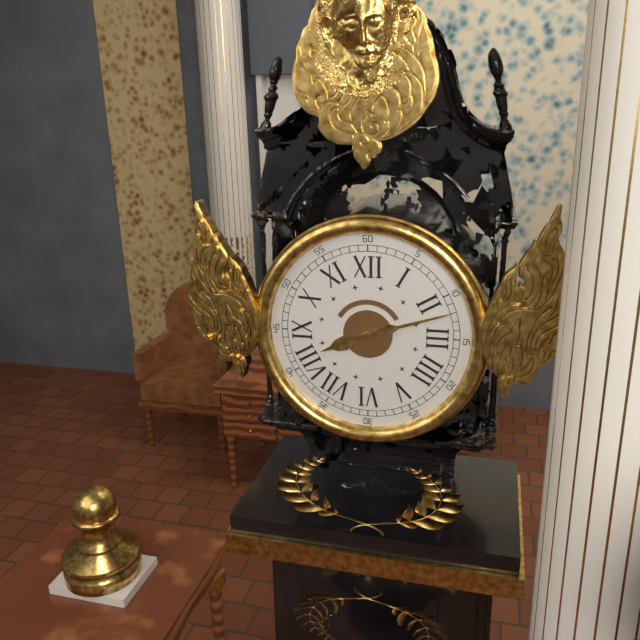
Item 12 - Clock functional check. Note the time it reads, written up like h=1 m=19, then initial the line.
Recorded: h=8 m=12
